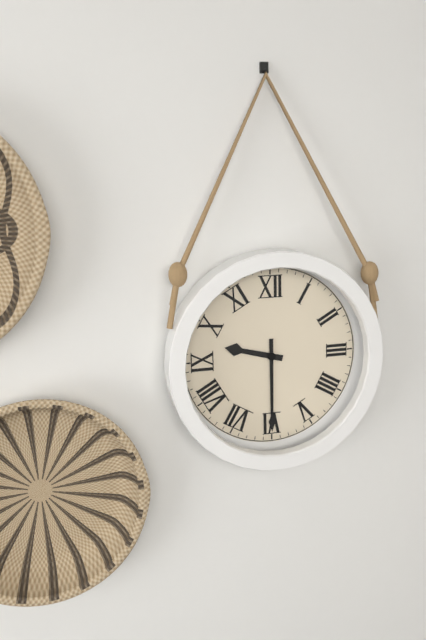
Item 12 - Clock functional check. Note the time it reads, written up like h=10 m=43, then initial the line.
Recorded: h=9 m=30
